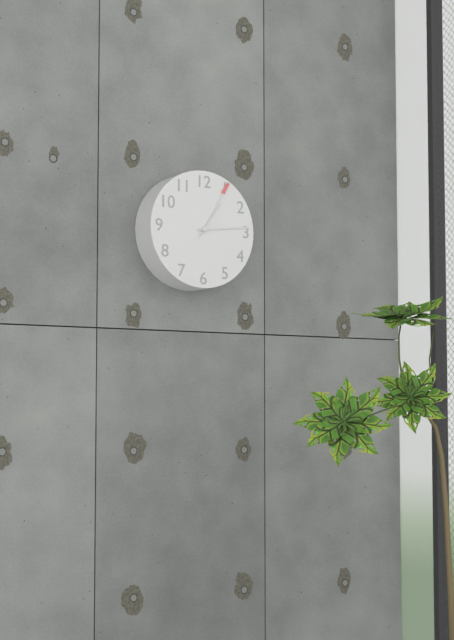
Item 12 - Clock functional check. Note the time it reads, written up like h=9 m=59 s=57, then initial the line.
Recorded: h=1 m=14 s=5
